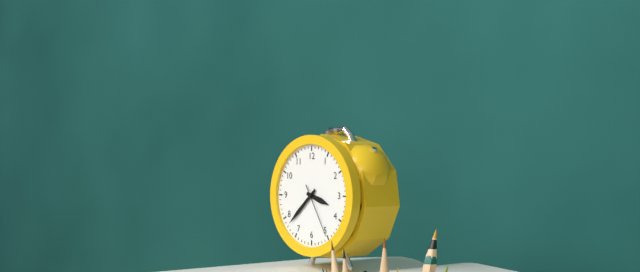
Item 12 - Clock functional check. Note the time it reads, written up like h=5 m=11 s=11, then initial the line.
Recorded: h=3 m=38 s=25
